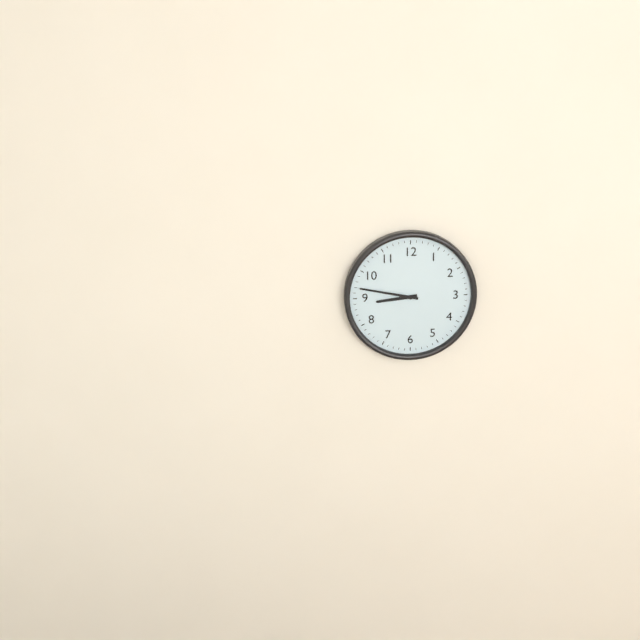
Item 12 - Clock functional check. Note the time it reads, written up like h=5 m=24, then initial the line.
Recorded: h=8 m=47
